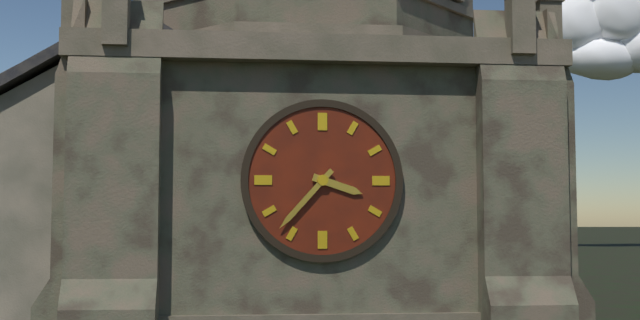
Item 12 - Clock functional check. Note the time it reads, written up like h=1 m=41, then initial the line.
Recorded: h=3 m=37
